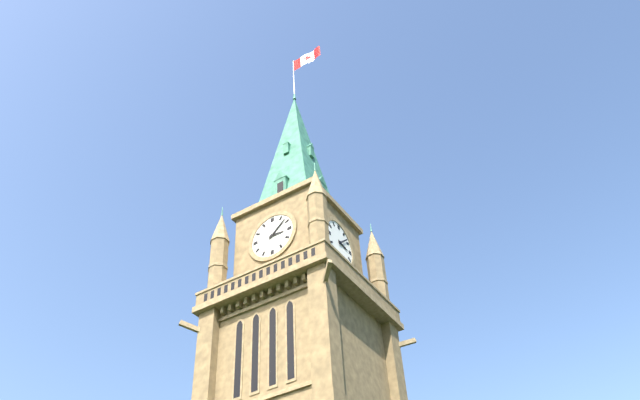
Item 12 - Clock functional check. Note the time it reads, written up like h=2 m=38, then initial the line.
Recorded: h=3 m=8
